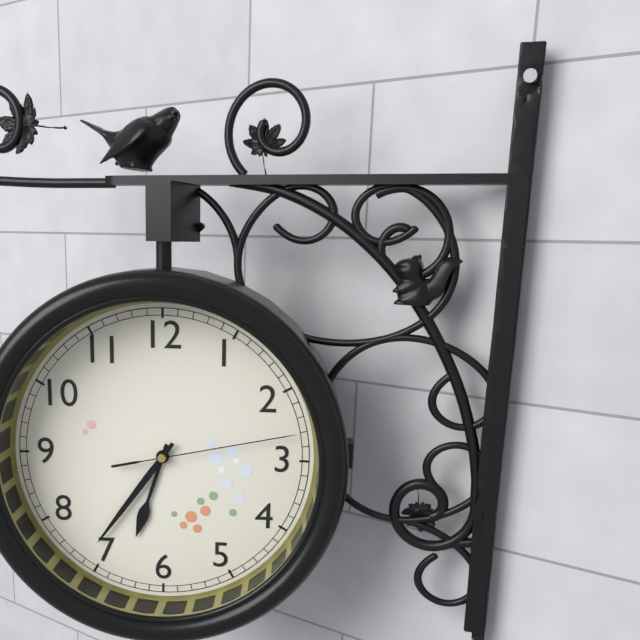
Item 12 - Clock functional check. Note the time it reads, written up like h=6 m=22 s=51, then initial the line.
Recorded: h=6 m=36 s=13
